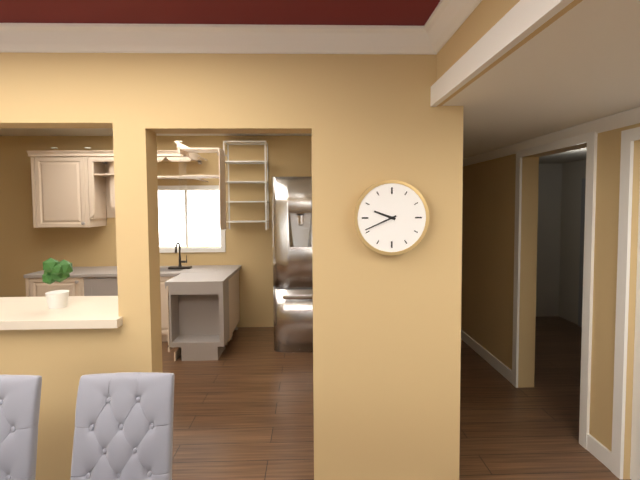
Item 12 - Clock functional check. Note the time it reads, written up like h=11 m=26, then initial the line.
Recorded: h=9 m=41
